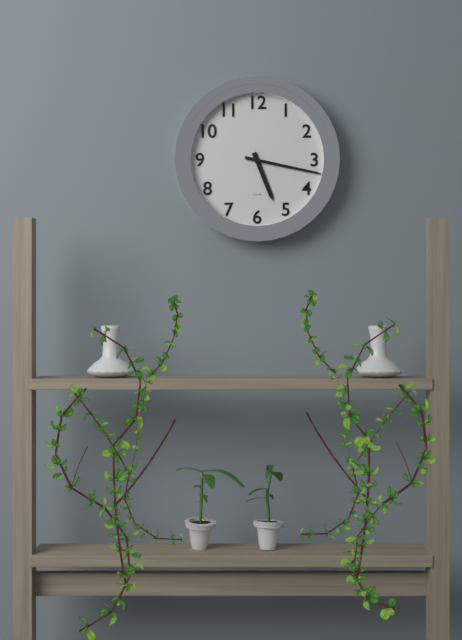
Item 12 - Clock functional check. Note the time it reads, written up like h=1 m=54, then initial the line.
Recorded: h=5 m=17
